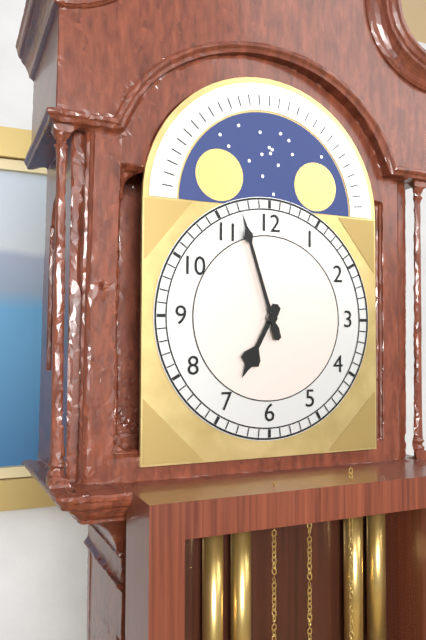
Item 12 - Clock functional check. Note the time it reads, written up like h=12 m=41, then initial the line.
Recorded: h=6 m=57
